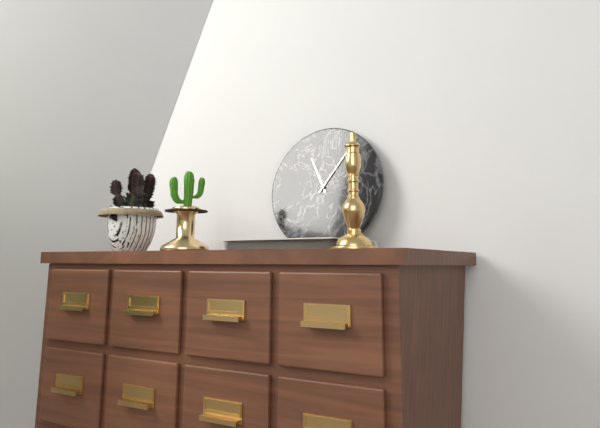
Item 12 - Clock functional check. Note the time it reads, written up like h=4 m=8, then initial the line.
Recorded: h=11 m=6
